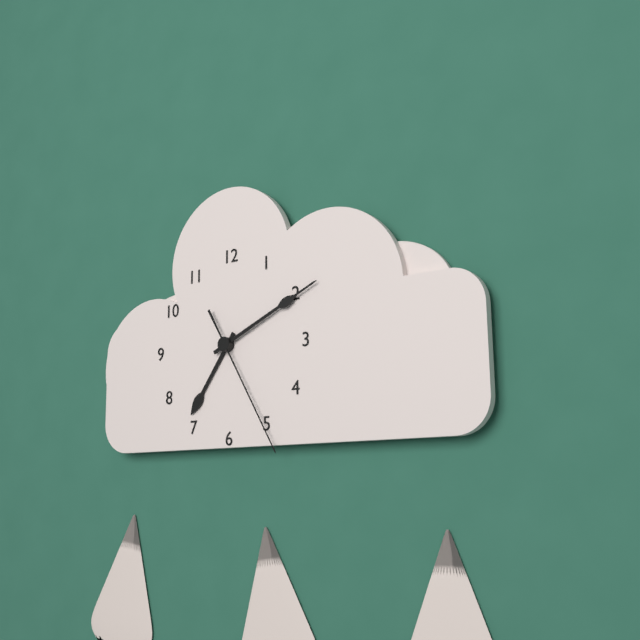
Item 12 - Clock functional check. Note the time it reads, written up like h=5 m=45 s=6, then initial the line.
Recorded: h=7 m=11 s=25
